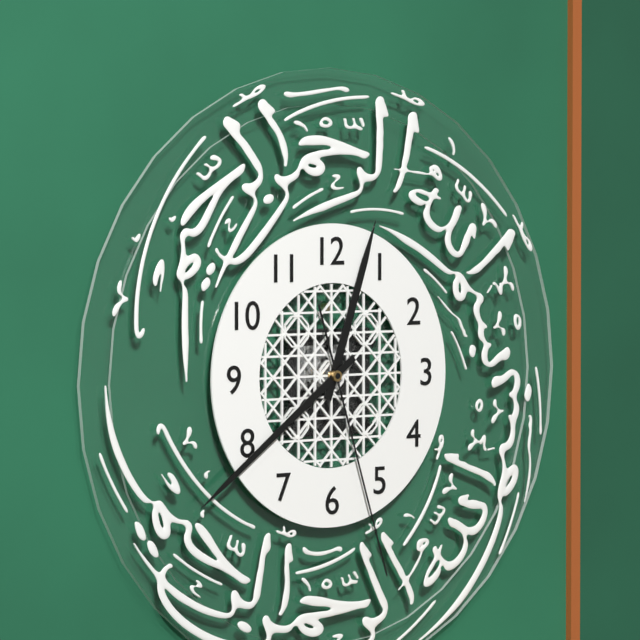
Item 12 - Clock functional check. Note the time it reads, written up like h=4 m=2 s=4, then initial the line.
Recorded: h=12 m=39 s=27
